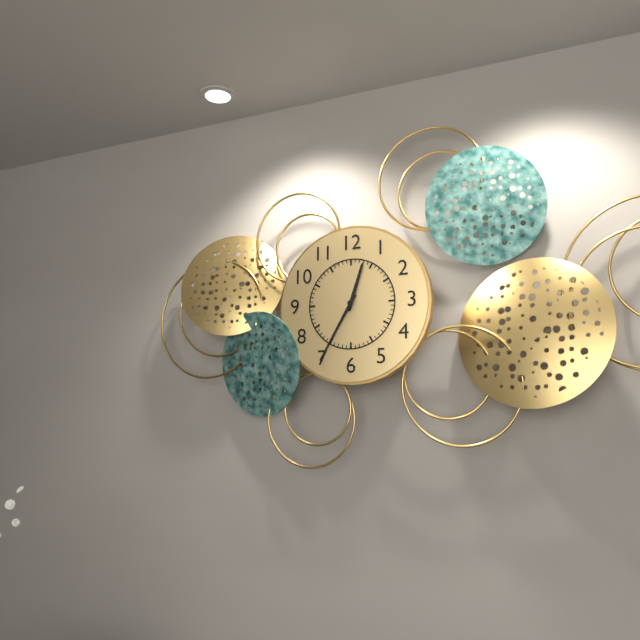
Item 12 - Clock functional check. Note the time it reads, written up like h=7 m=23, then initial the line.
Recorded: h=12 m=35
